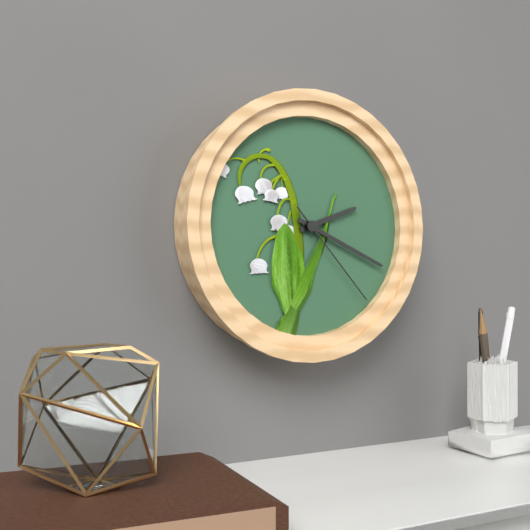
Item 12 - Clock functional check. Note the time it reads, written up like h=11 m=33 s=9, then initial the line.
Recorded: h=2 m=19 s=23
